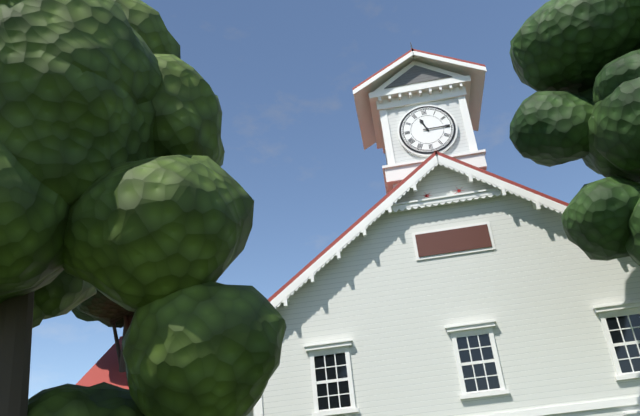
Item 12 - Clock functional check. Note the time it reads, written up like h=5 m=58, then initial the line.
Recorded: h=11 m=15
